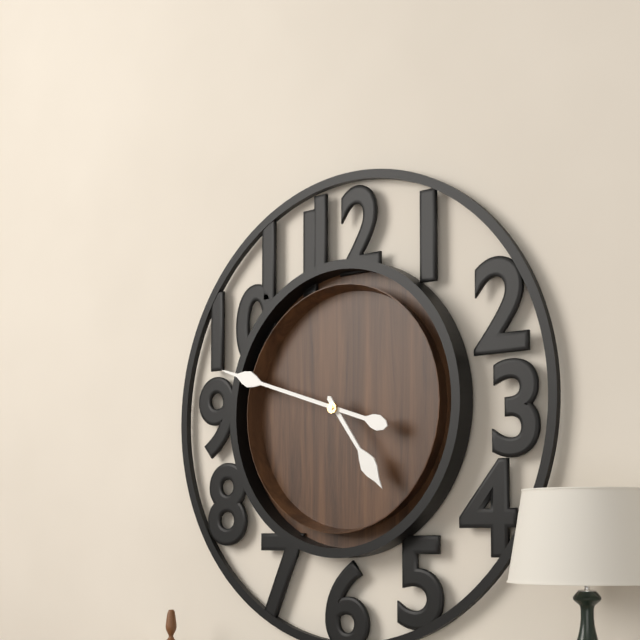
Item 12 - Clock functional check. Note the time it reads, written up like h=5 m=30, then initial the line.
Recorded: h=4 m=48
